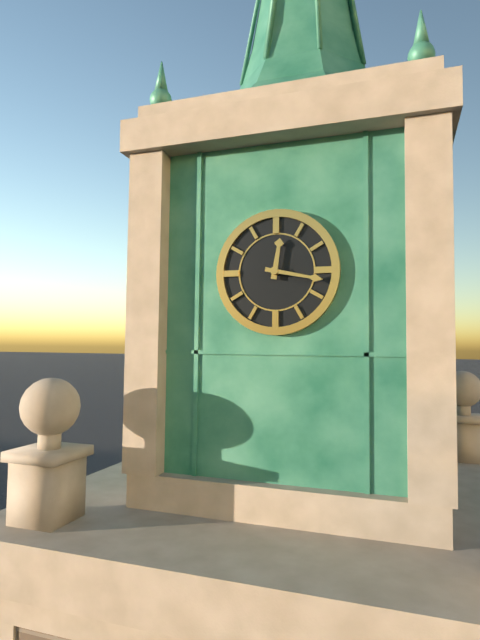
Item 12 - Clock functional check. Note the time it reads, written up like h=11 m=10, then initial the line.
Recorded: h=12 m=17
